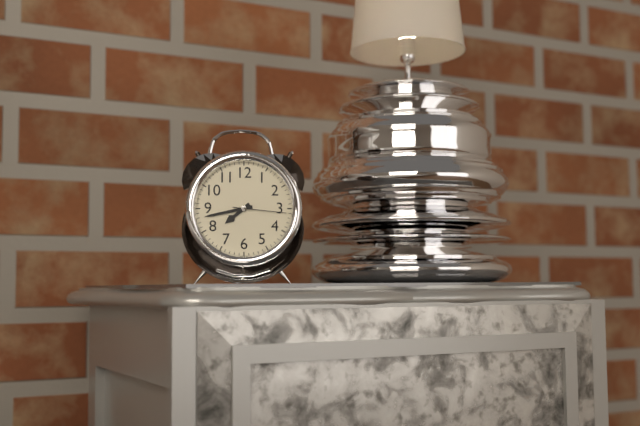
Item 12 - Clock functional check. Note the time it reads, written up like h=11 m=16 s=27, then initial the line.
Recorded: h=7 m=43 s=16
